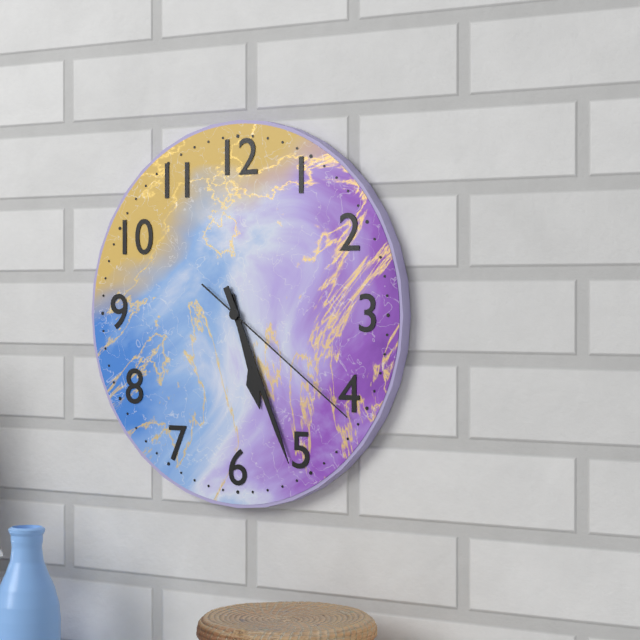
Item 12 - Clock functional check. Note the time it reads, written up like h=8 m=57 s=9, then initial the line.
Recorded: h=5 m=26 s=21
